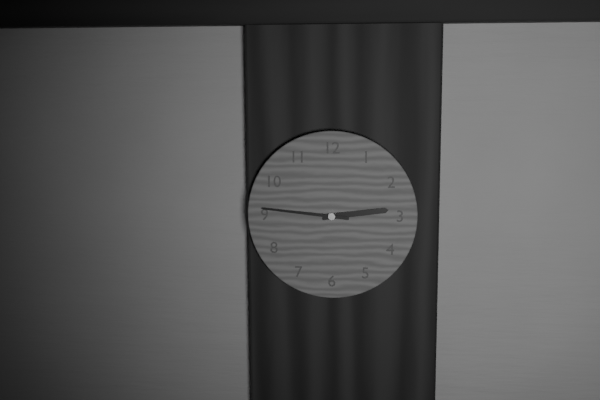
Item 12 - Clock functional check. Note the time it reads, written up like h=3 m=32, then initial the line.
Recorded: h=2 m=46
